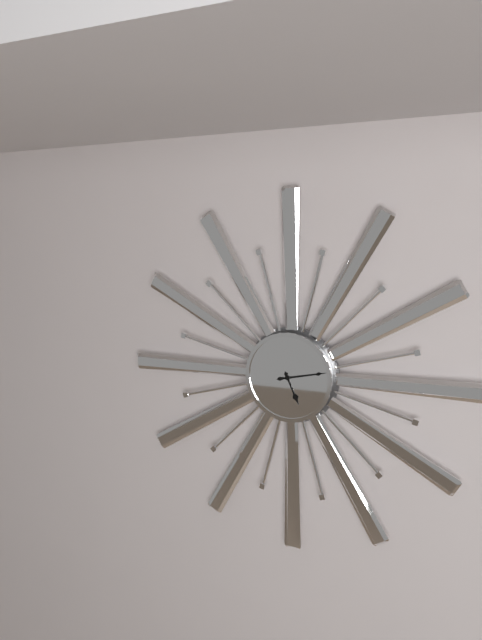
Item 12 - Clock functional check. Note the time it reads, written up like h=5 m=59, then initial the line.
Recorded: h=5 m=13
